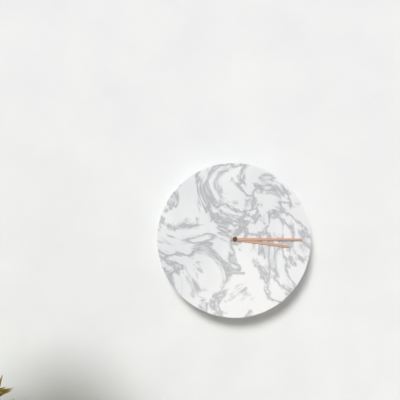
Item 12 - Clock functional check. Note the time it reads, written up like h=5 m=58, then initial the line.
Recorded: h=3 m=15
